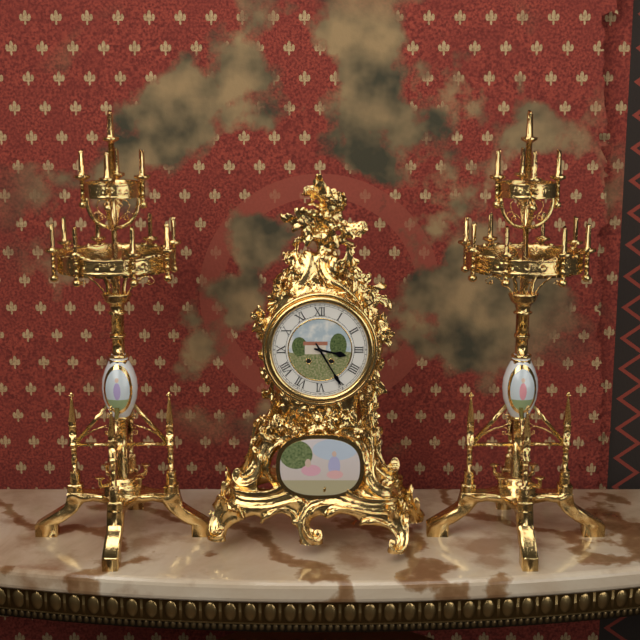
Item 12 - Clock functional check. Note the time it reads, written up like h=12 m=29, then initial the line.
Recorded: h=3 m=25
